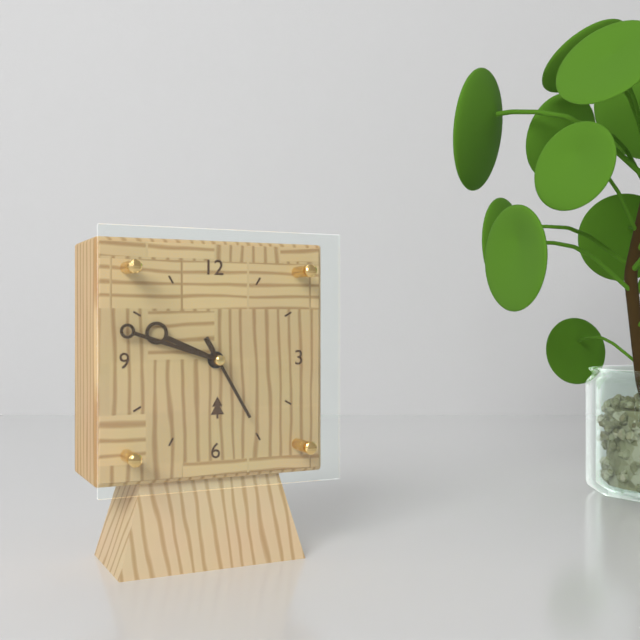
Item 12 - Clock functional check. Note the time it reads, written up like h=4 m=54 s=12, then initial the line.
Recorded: h=9 m=48 s=25
